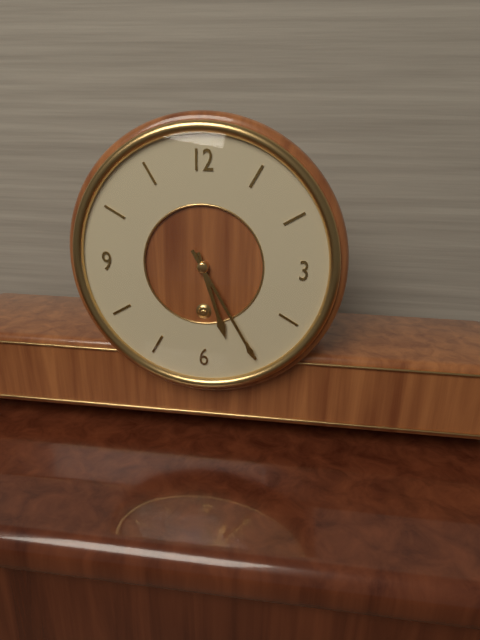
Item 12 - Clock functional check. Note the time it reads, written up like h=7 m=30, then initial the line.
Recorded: h=5 m=25
